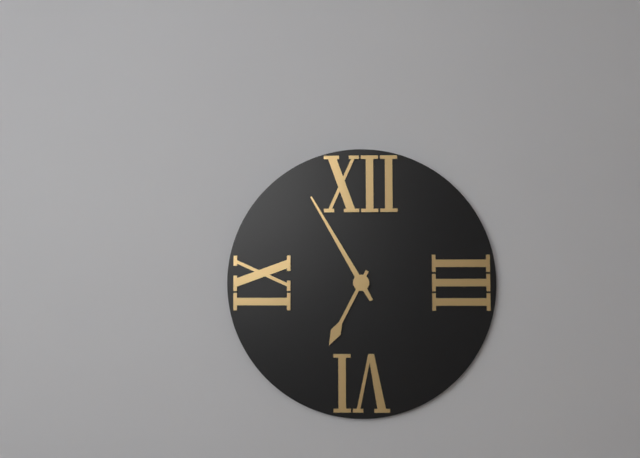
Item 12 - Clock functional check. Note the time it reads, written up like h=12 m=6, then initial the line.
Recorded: h=6 m=55
